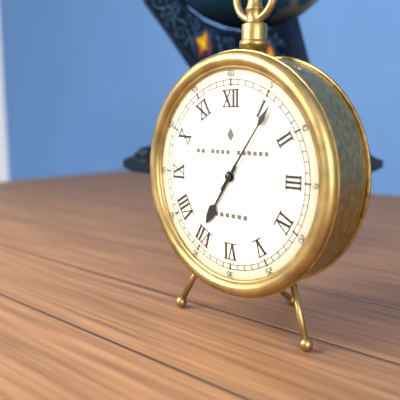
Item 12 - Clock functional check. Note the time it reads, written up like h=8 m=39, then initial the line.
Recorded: h=7 m=6
